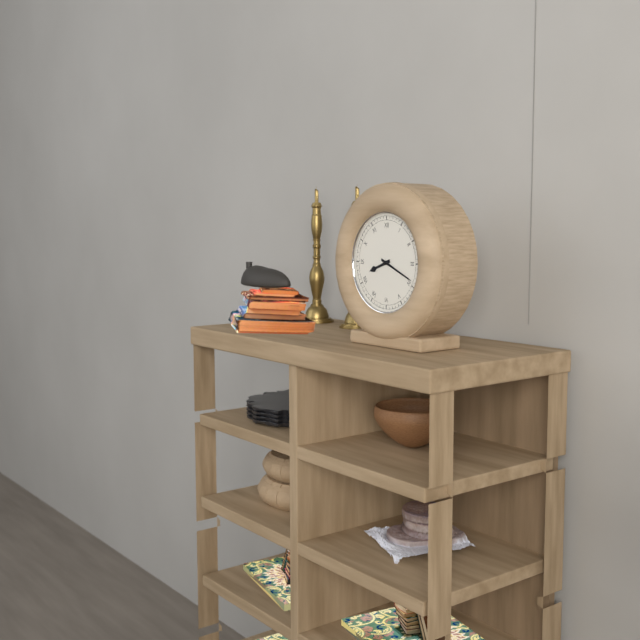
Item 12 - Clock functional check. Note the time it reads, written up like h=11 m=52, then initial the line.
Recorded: h=8 m=19
